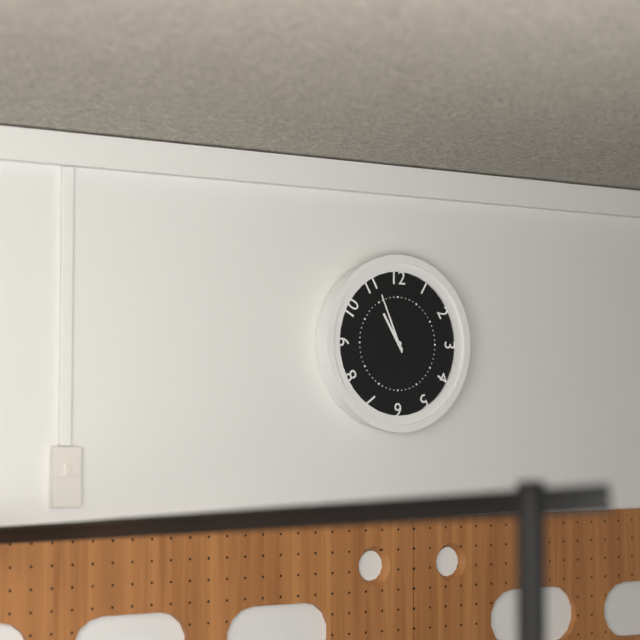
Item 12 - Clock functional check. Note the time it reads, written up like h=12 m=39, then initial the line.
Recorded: h=10 m=56
